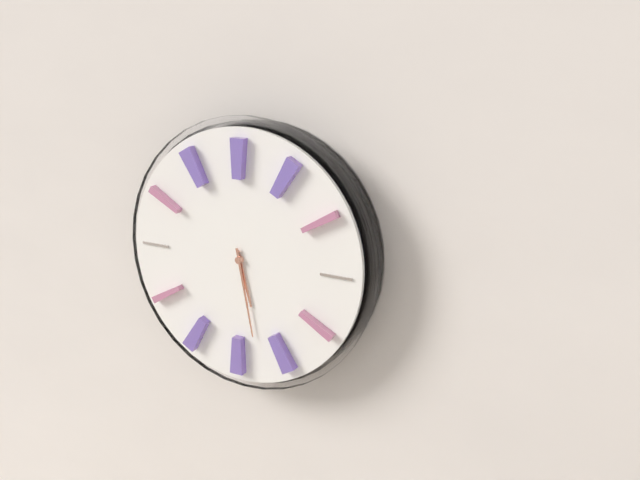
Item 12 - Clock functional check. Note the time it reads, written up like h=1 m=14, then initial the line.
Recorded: h=5 m=28
